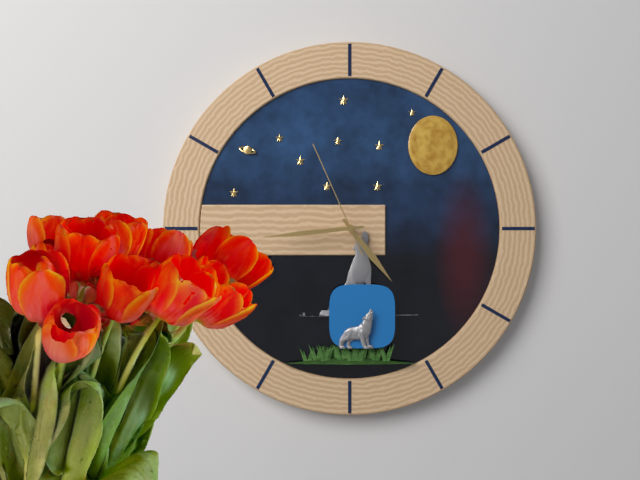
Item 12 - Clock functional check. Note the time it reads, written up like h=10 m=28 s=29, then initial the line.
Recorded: h=4 m=44 s=56
